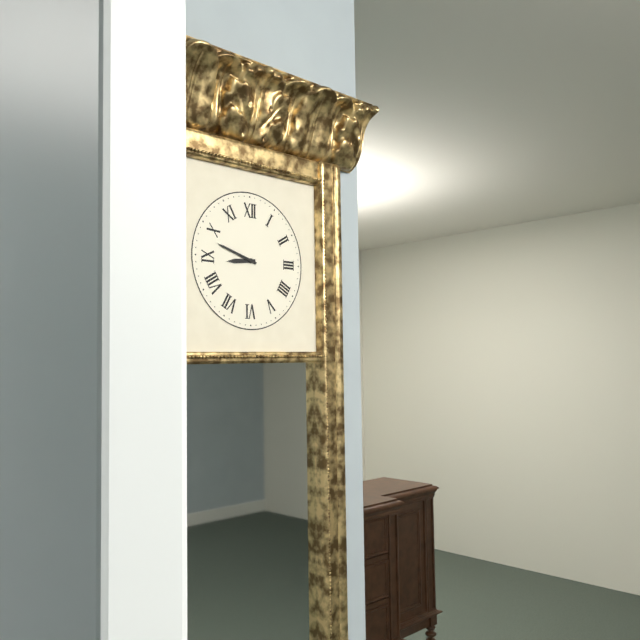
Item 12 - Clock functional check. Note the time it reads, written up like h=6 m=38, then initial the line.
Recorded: h=8 m=48
